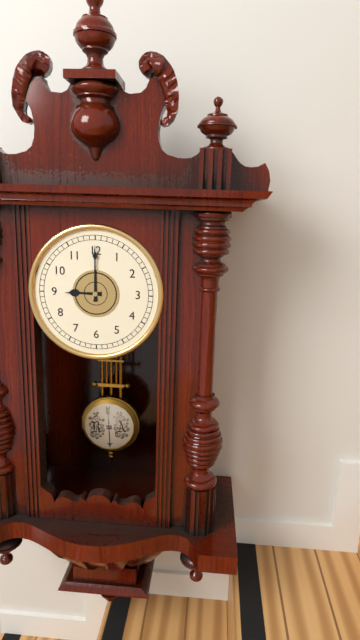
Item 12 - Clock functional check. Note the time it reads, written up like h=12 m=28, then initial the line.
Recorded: h=9 m=0
